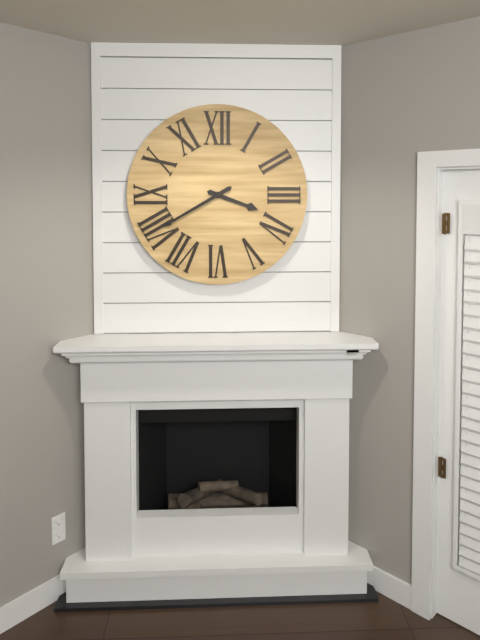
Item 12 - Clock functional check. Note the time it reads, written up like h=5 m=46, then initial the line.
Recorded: h=3 m=40
